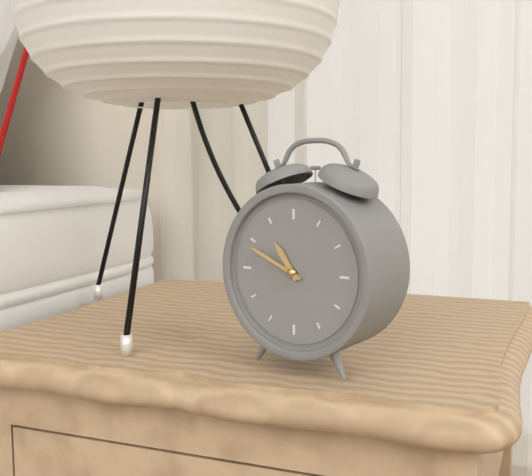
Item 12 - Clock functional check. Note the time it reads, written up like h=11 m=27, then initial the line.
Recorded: h=10 m=49
